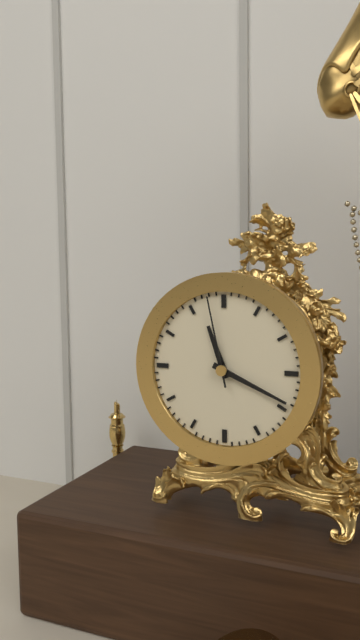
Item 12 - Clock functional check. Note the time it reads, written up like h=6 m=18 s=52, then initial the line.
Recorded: h=11 m=19 s=58
